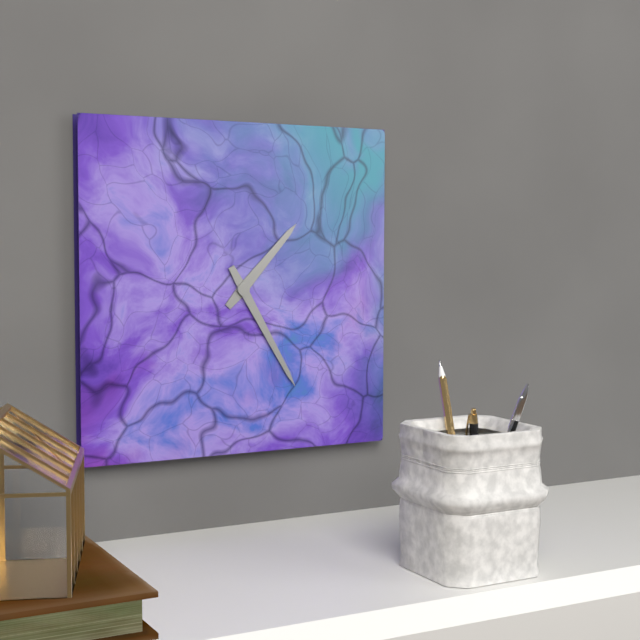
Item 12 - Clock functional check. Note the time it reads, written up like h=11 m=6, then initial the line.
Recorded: h=1 m=25
